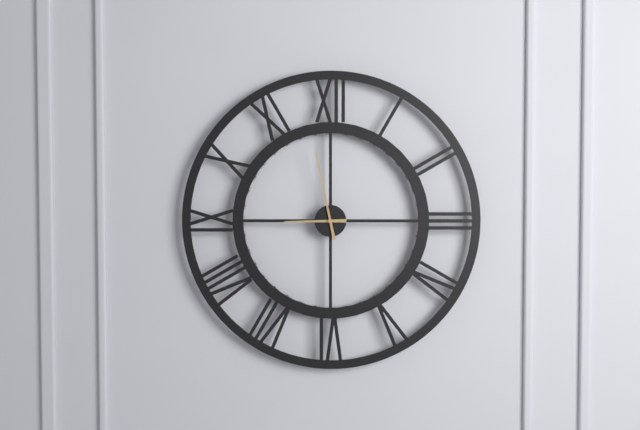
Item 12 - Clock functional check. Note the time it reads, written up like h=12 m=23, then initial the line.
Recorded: h=8 m=58
